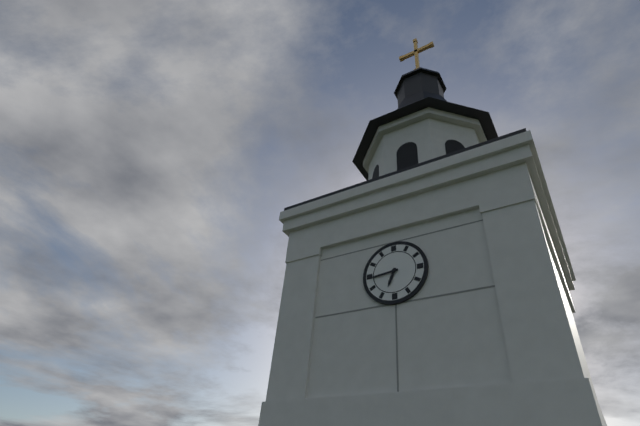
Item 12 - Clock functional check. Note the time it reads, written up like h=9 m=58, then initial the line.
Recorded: h=6 m=44
